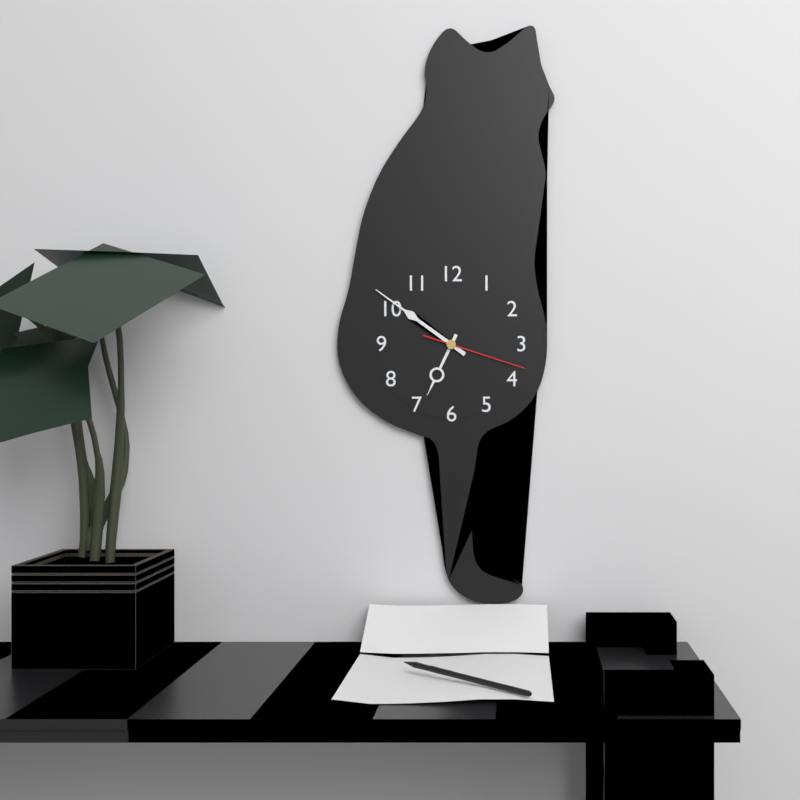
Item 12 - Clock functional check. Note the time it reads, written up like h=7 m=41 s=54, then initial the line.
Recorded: h=6 m=51 s=18
